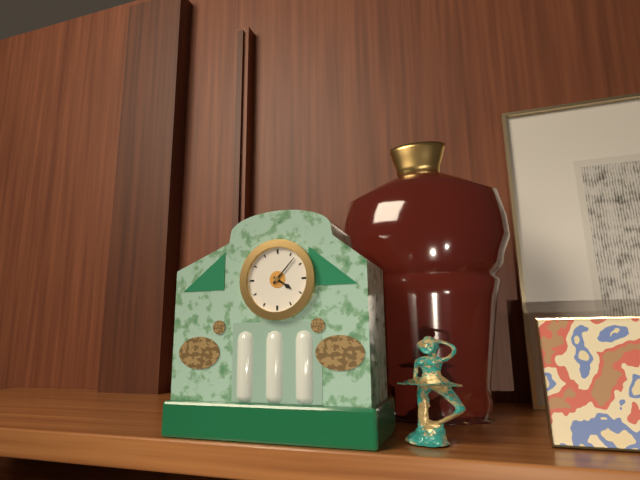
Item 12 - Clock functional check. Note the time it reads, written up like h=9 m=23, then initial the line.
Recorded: h=4 m=7
